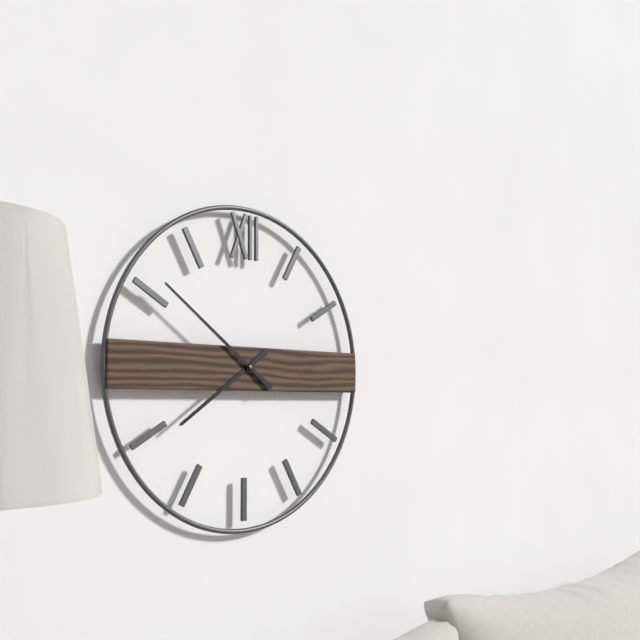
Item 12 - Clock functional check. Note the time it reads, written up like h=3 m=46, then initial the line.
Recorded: h=7 m=51
